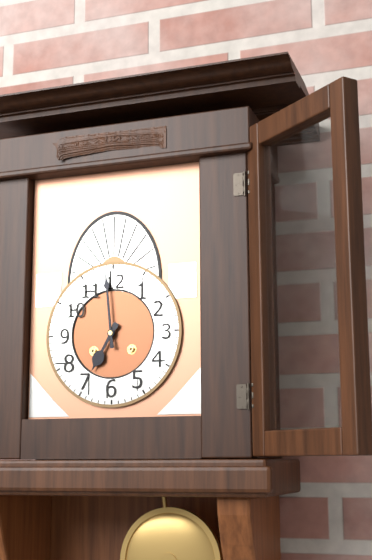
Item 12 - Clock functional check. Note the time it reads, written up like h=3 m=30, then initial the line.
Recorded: h=6 m=59
